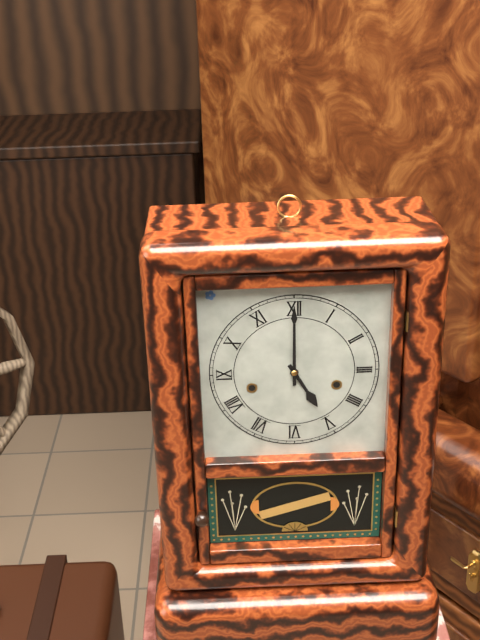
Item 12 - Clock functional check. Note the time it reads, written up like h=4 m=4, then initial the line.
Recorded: h=5 m=0
